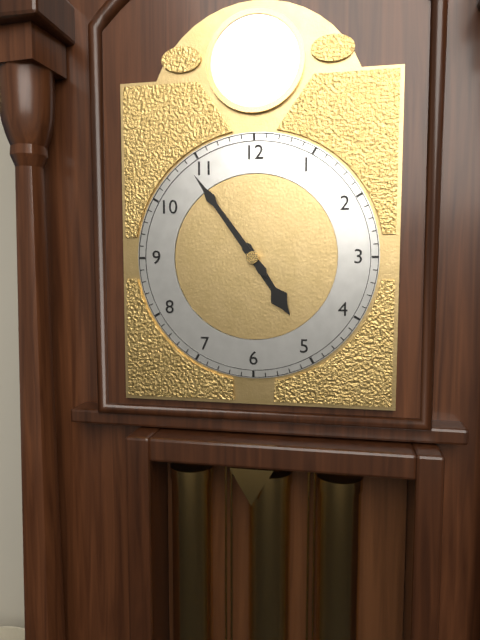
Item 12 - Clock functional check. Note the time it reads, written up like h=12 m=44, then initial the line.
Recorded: h=4 m=54
